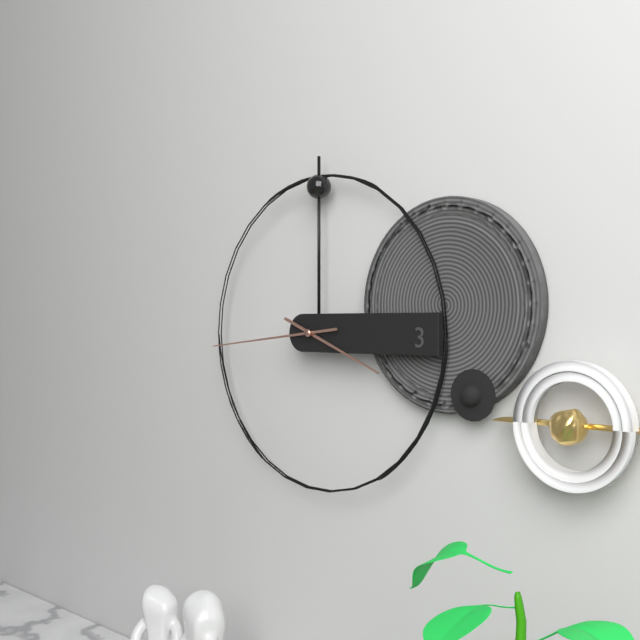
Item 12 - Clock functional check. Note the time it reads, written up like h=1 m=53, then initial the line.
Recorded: h=3 m=44
